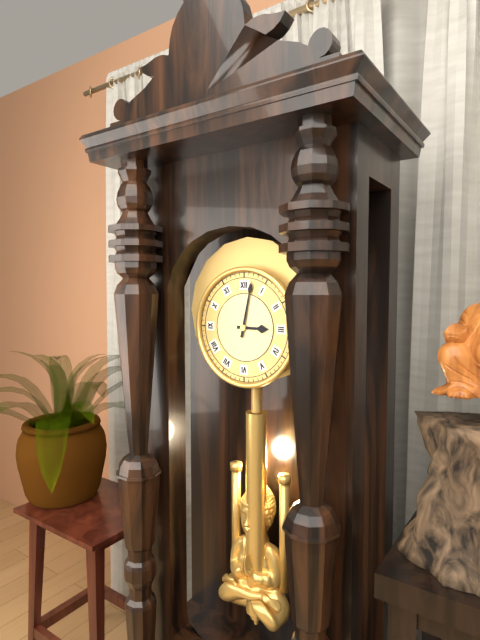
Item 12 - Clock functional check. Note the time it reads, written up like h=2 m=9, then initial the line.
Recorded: h=3 m=2
